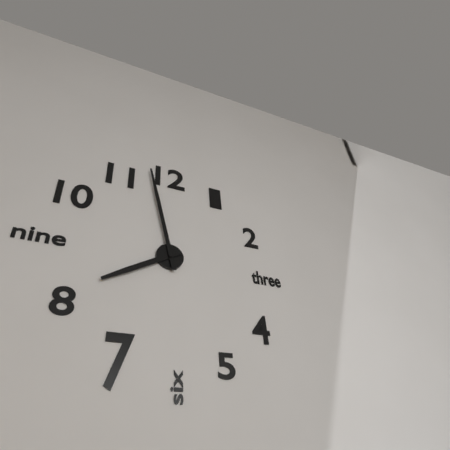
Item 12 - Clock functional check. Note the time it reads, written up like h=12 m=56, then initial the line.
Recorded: h=7 m=58
